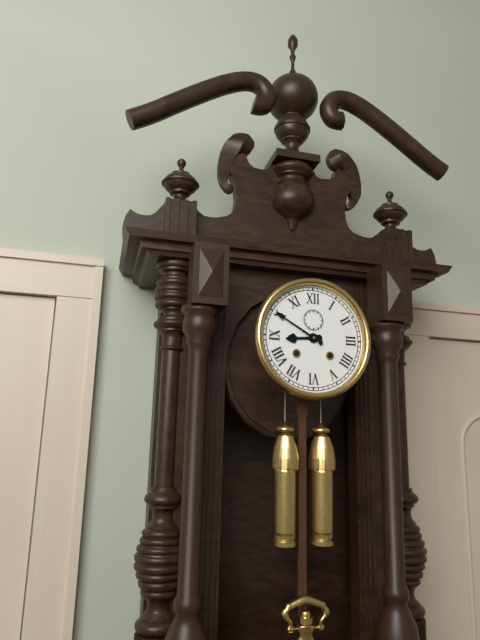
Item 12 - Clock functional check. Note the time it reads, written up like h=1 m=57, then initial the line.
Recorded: h=8 m=50
